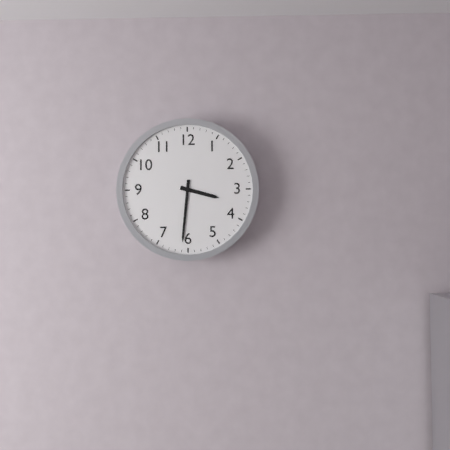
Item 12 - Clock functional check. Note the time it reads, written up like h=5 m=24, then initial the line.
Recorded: h=3 m=31
